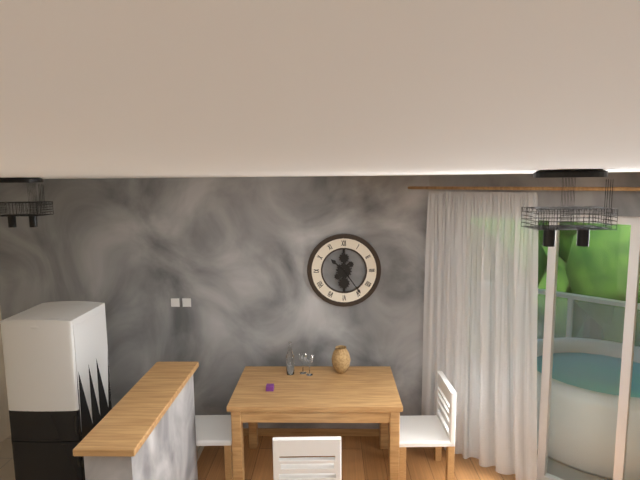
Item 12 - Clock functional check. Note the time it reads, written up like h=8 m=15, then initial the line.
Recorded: h=10 m=24
